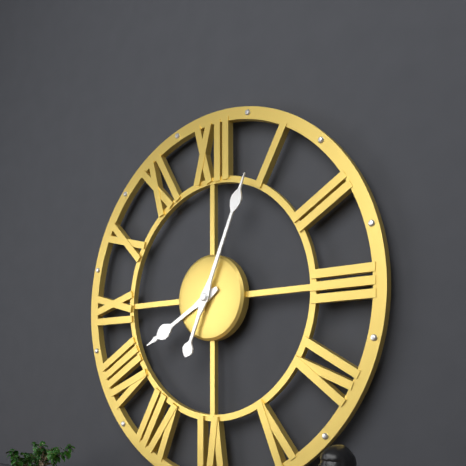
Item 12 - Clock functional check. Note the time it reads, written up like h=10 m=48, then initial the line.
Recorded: h=8 m=4
